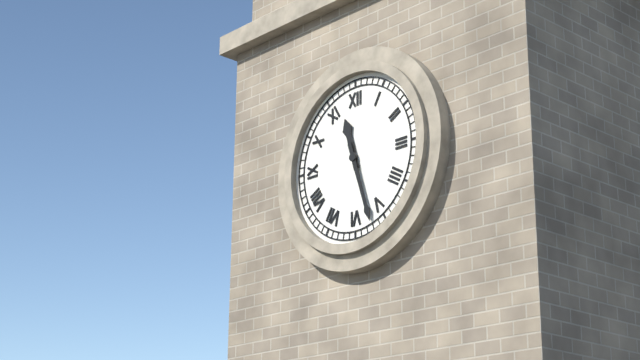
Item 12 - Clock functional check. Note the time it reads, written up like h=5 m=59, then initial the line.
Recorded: h=11 m=27
